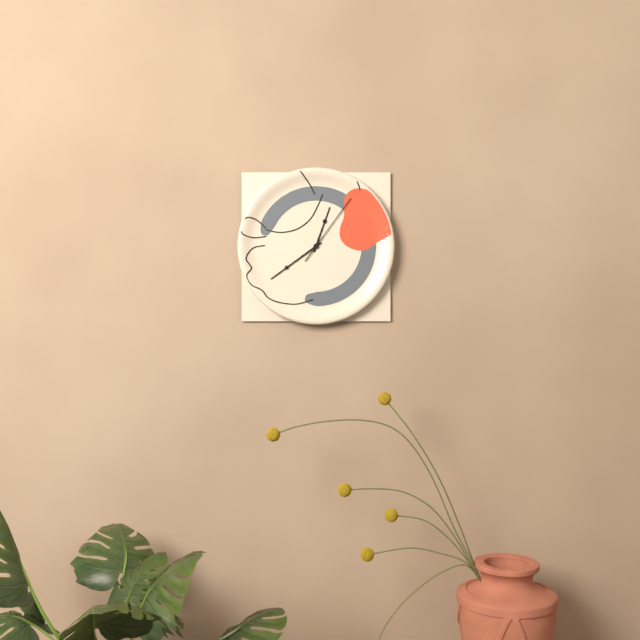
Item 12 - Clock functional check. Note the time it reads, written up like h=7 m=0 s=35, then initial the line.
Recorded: h=12 m=39 s=6
